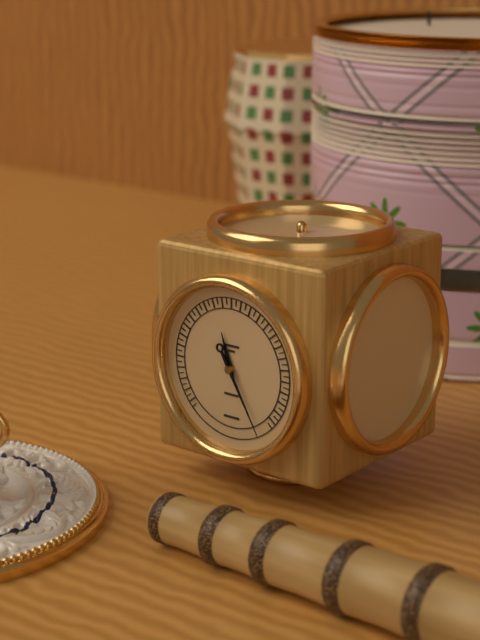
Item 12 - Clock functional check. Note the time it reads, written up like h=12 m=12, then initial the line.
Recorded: h=11 m=25
